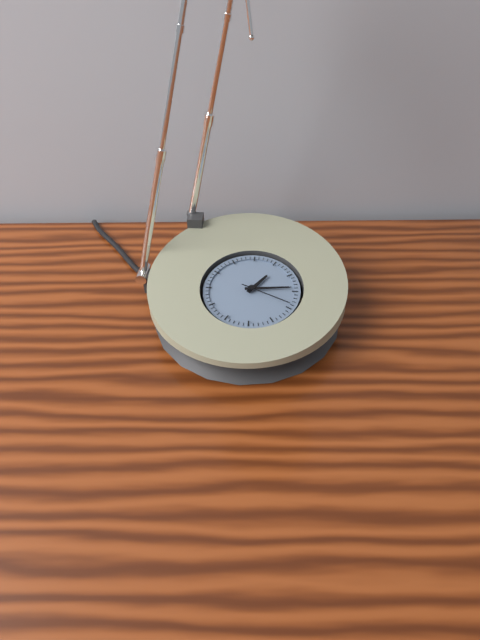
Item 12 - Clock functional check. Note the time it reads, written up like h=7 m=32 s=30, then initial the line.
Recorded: h=1 m=14 s=19
